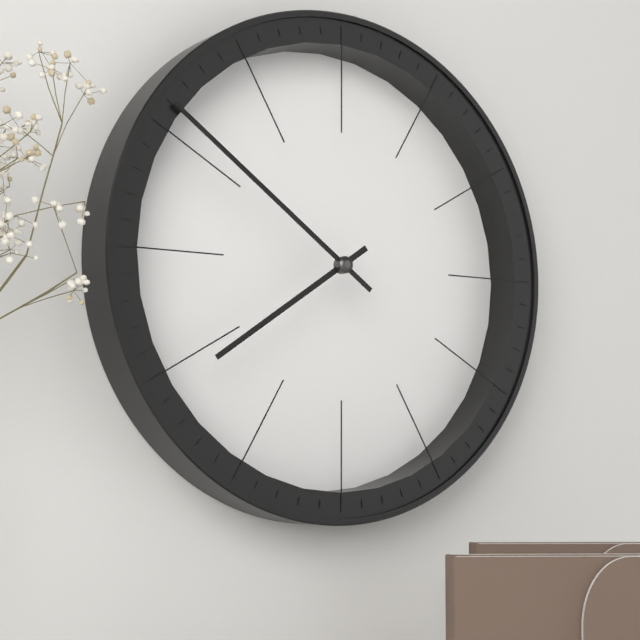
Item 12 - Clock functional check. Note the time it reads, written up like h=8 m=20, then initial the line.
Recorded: h=7 m=51
